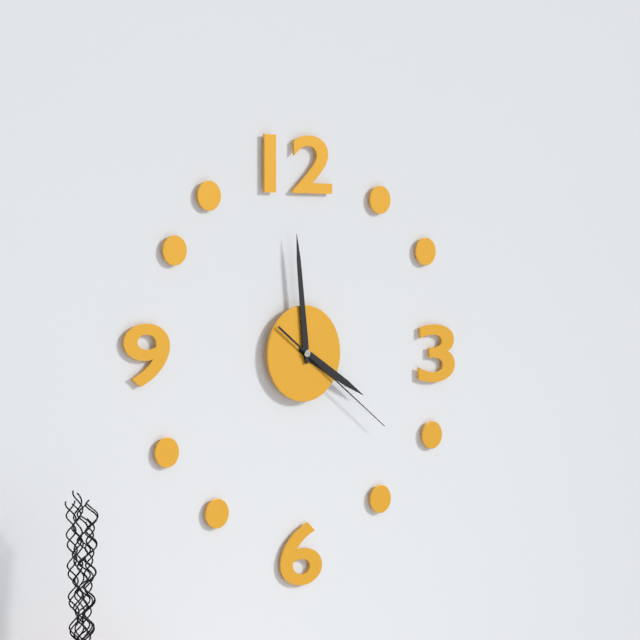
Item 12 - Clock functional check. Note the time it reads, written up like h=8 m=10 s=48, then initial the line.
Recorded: h=3 m=59 s=21
